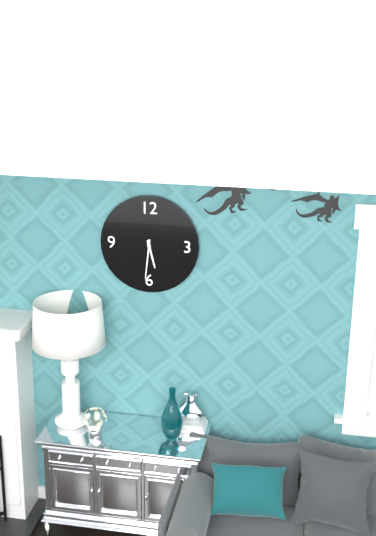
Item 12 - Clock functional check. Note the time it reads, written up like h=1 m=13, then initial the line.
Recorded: h=5 m=31
